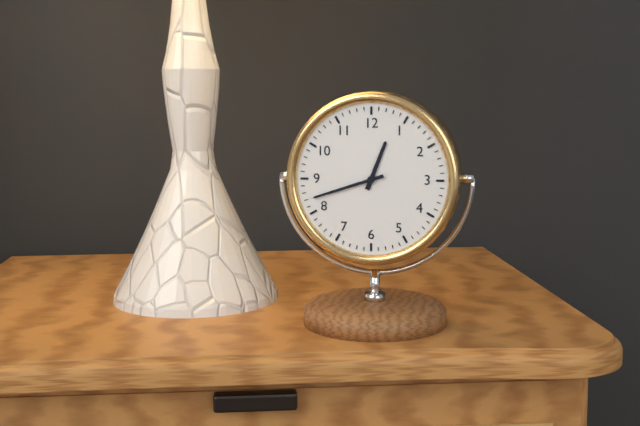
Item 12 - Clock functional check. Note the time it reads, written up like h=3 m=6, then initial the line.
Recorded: h=12 m=42
